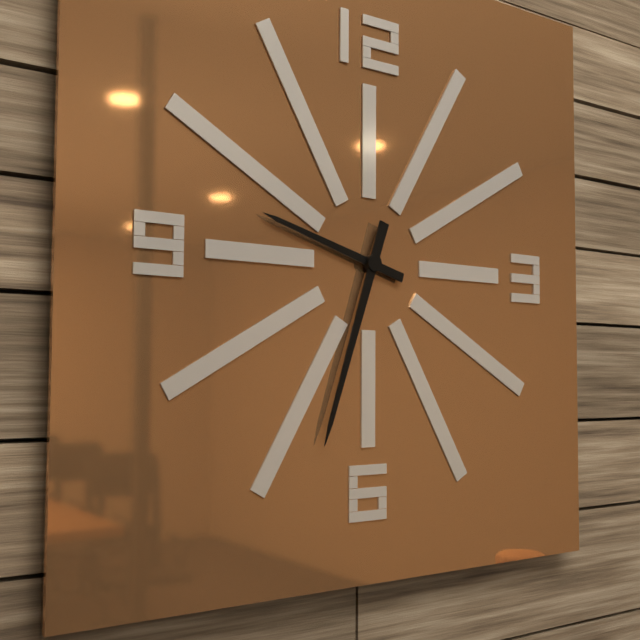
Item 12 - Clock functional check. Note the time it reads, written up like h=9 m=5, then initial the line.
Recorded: h=9 m=33
